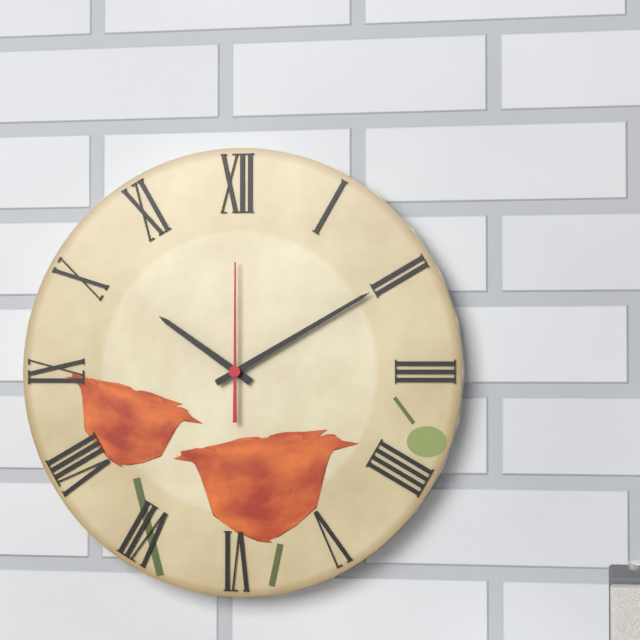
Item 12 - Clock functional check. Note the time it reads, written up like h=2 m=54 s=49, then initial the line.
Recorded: h=10 m=10 s=0
